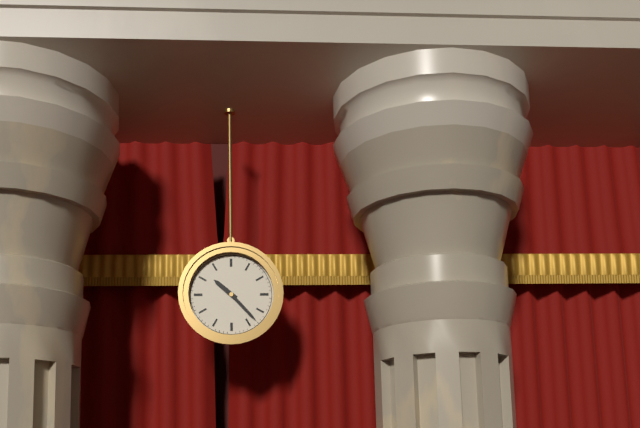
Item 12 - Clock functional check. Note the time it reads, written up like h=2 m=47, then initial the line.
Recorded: h=10 m=23
